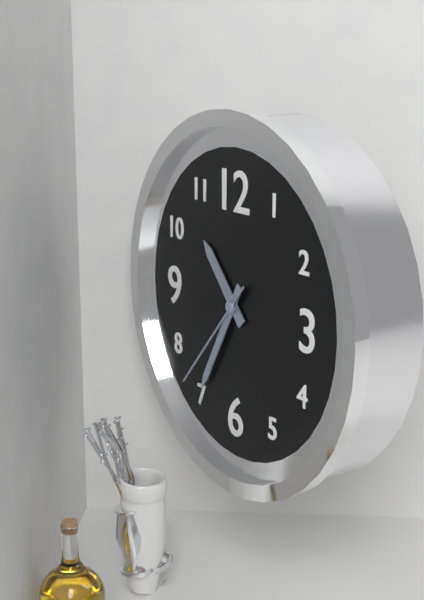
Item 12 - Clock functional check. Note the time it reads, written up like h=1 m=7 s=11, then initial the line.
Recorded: h=10 m=35 s=37
